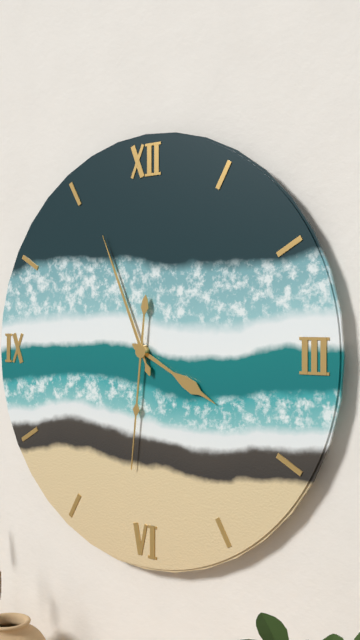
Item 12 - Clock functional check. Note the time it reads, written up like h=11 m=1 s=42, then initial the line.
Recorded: h=3 m=56 s=31
